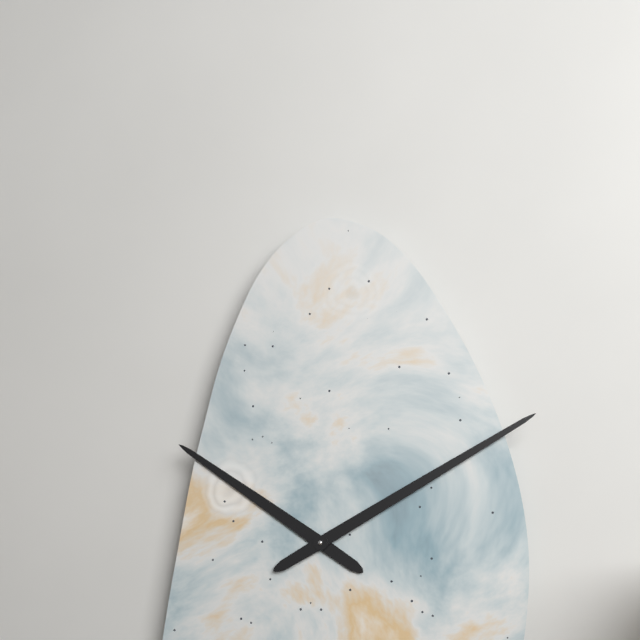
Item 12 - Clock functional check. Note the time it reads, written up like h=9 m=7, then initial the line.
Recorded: h=10 m=10
